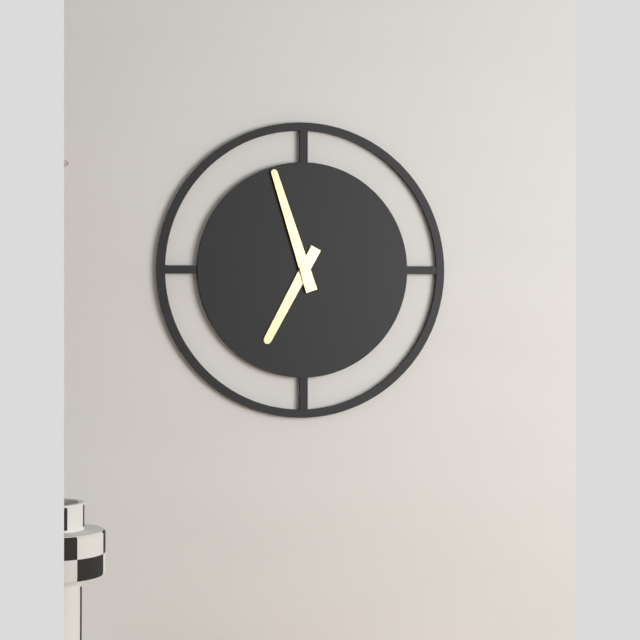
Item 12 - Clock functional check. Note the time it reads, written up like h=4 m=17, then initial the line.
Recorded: h=6 m=57
